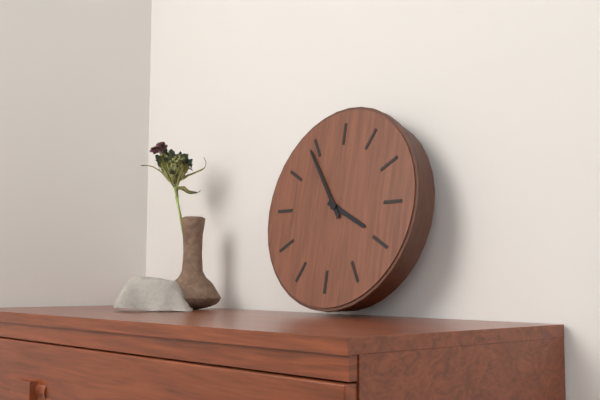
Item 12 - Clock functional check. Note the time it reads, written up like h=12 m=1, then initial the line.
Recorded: h=3 m=54
